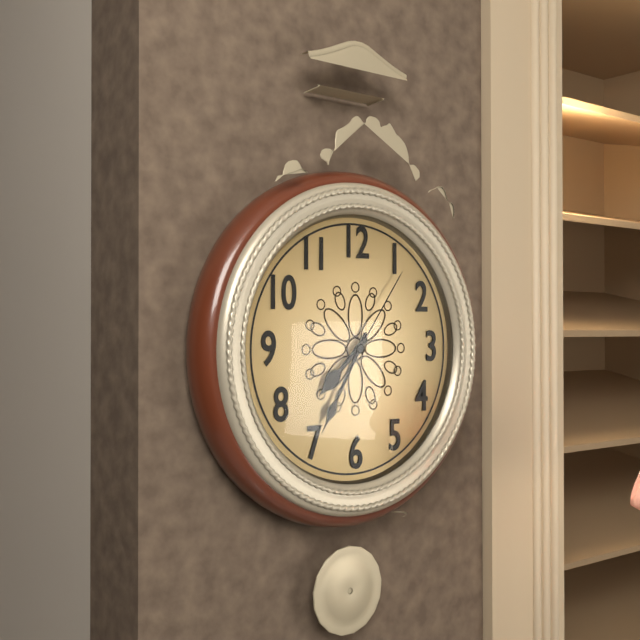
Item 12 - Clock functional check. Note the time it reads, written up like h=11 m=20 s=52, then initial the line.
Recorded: h=7 m=35 s=6
